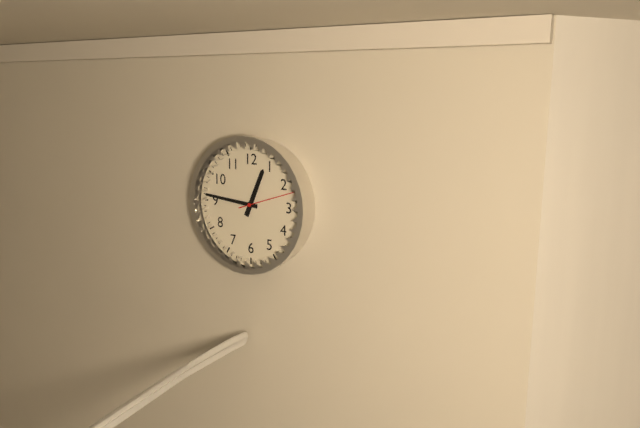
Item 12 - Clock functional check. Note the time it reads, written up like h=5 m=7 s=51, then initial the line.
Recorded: h=12 m=46 s=12
